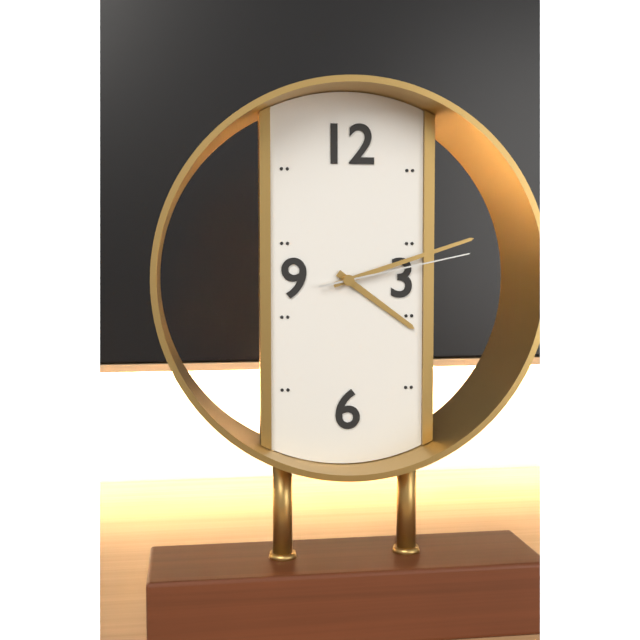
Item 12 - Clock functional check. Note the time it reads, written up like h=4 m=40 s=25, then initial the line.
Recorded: h=4 m=12 s=13
